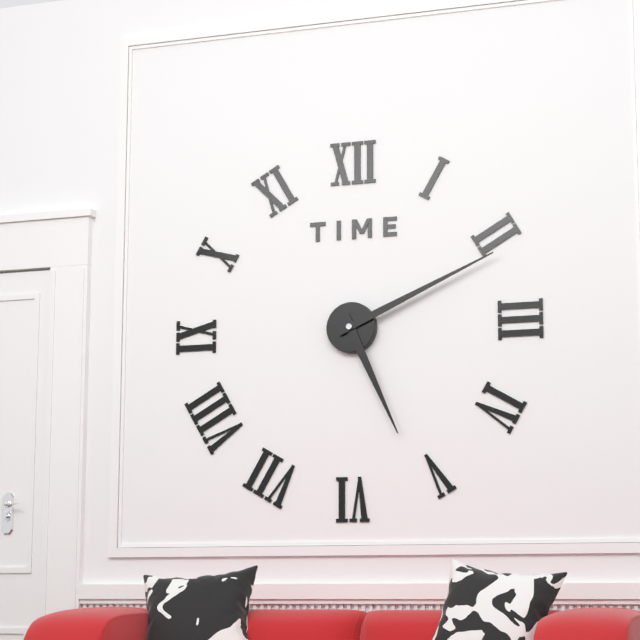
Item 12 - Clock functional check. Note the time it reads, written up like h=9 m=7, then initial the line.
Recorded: h=5 m=11
